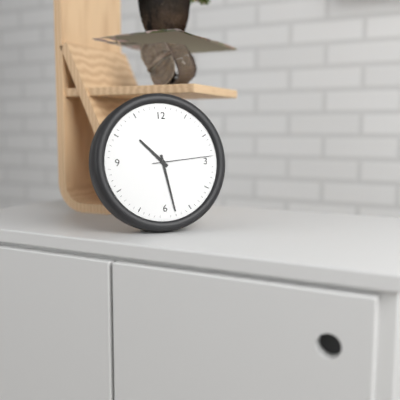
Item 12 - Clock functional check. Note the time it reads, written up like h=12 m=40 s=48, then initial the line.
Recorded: h=10 m=28 s=14
